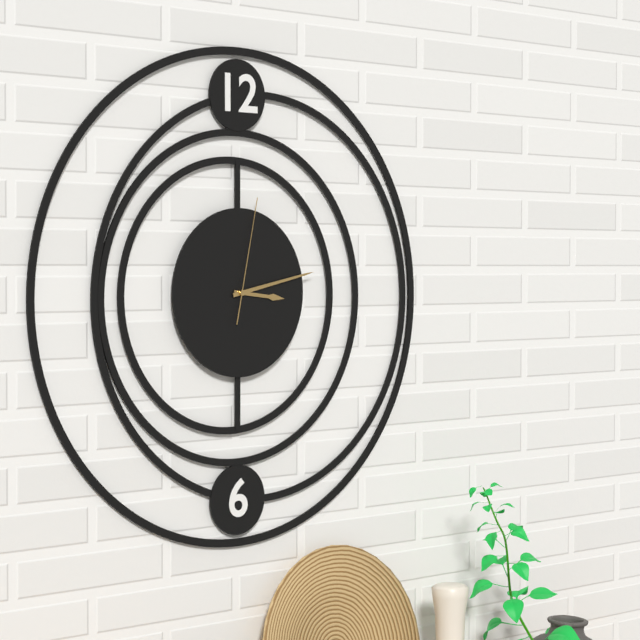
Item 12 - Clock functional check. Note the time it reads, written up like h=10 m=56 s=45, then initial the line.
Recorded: h=3 m=13 s=2
